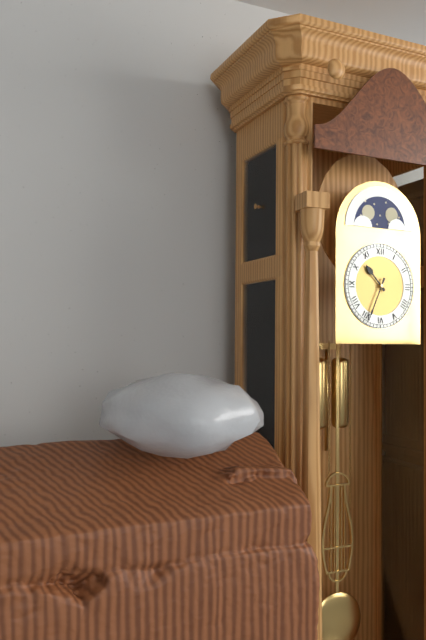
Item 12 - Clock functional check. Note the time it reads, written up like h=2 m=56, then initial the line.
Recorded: h=10 m=34
